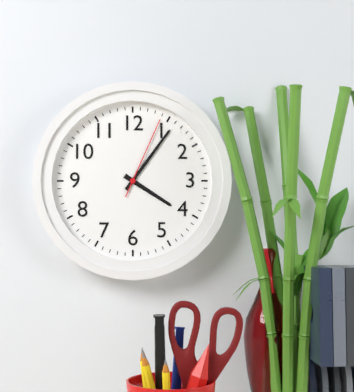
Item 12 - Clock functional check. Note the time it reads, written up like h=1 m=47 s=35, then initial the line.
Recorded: h=4 m=6 s=4
